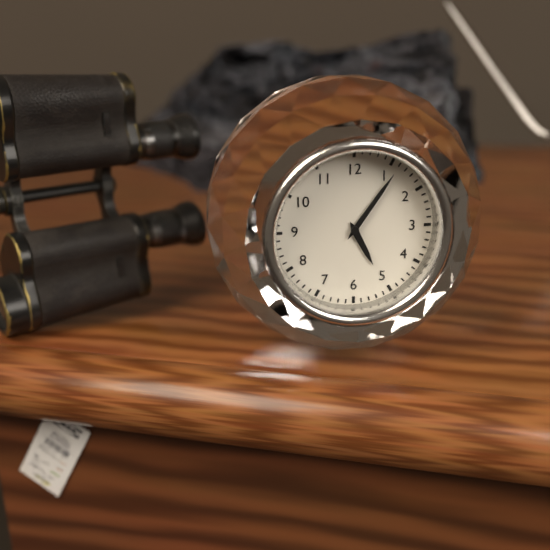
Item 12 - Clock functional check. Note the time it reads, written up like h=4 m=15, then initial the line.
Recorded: h=5 m=6
